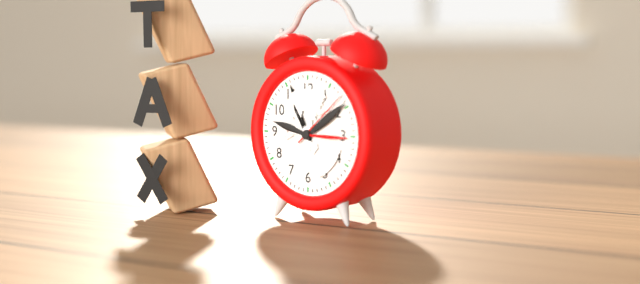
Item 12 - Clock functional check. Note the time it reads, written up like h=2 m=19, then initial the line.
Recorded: h=10 m=56
